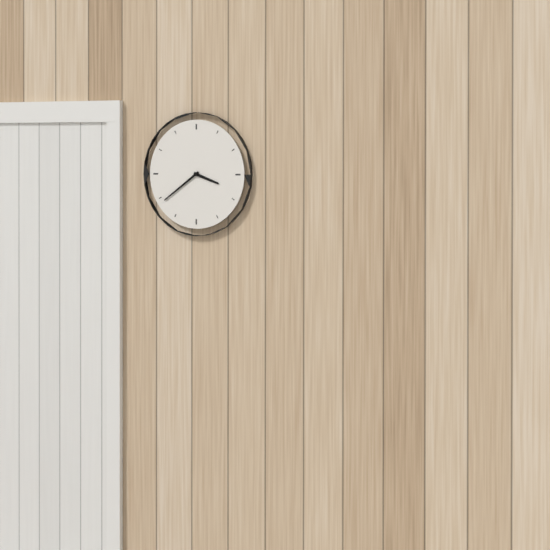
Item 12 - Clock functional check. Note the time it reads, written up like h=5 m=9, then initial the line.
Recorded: h=3 m=39
